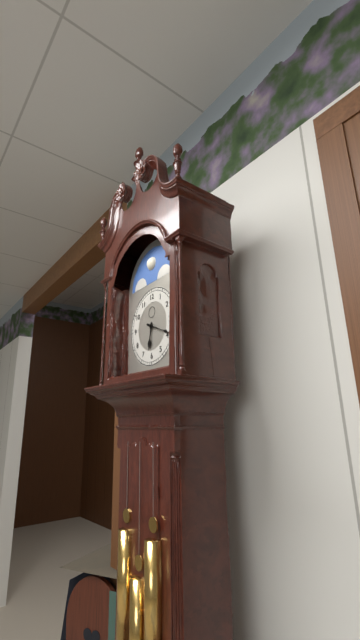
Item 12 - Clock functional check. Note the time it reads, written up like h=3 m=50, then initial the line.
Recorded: h=6 m=19
